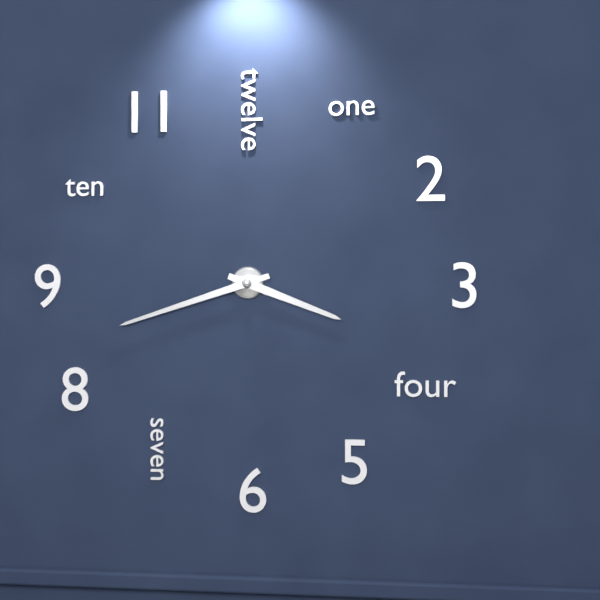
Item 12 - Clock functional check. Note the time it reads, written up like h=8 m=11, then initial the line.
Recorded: h=3 m=42
